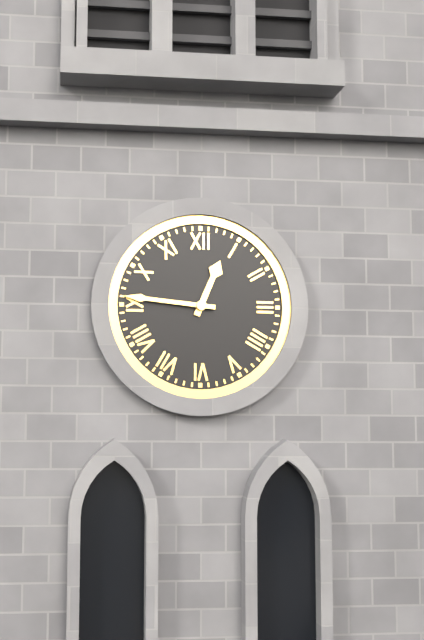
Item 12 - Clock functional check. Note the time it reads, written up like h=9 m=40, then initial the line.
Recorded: h=12 m=46
